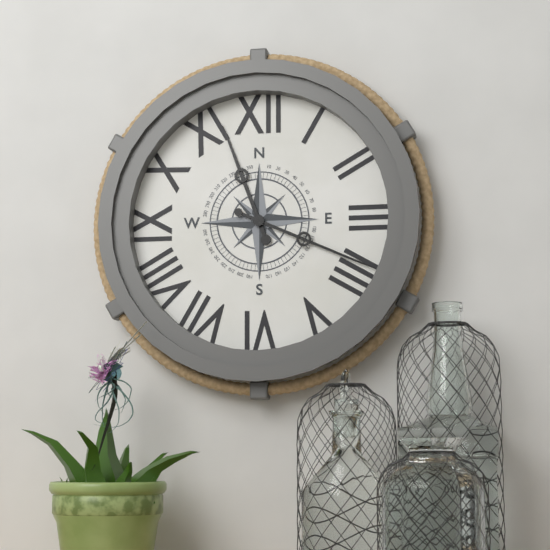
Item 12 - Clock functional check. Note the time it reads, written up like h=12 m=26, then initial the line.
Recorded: h=11 m=19
